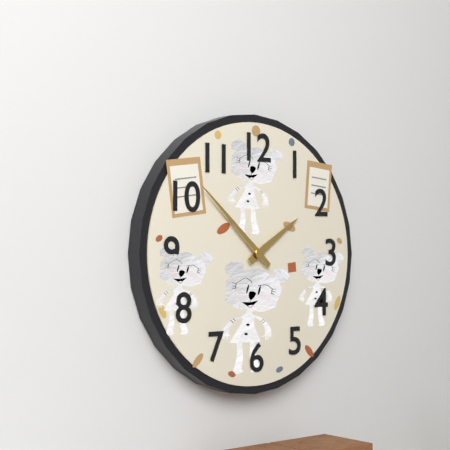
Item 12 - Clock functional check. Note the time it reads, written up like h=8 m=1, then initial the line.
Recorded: h=1 m=52
